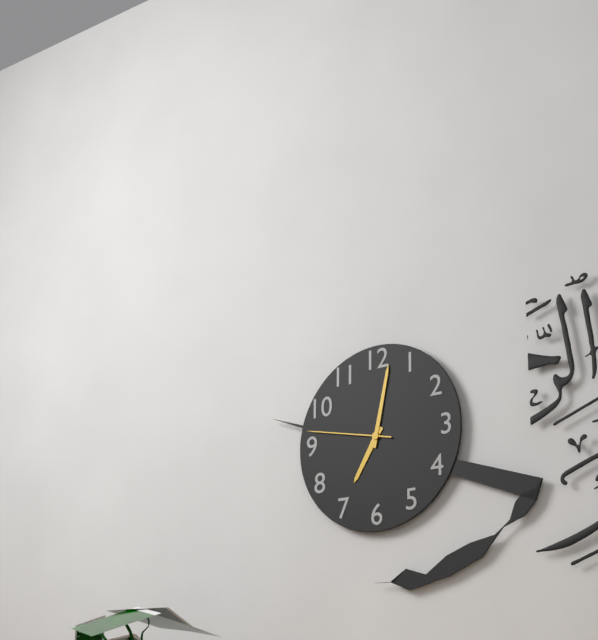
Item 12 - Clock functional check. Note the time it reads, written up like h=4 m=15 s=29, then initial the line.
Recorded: h=7 m=2 s=47
